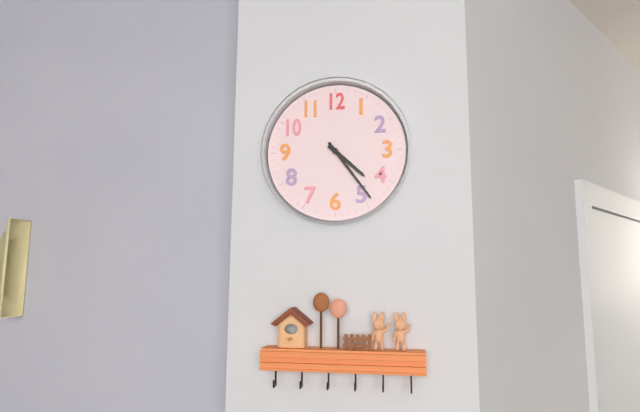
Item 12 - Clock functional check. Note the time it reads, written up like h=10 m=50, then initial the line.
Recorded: h=4 m=24
